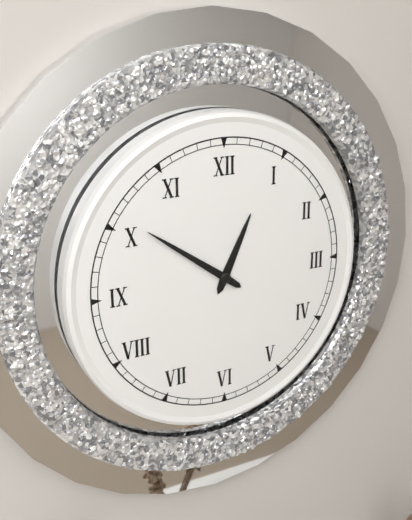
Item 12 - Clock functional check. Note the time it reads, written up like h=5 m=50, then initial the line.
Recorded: h=12 m=51
